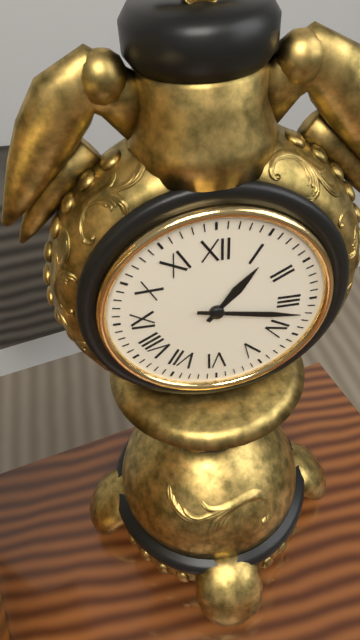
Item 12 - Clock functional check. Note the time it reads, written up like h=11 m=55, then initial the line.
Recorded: h=1 m=17
